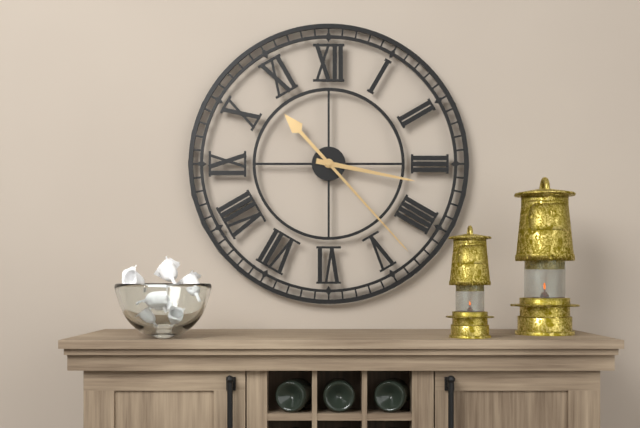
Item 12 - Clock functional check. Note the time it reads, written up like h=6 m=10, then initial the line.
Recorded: h=3 m=23
